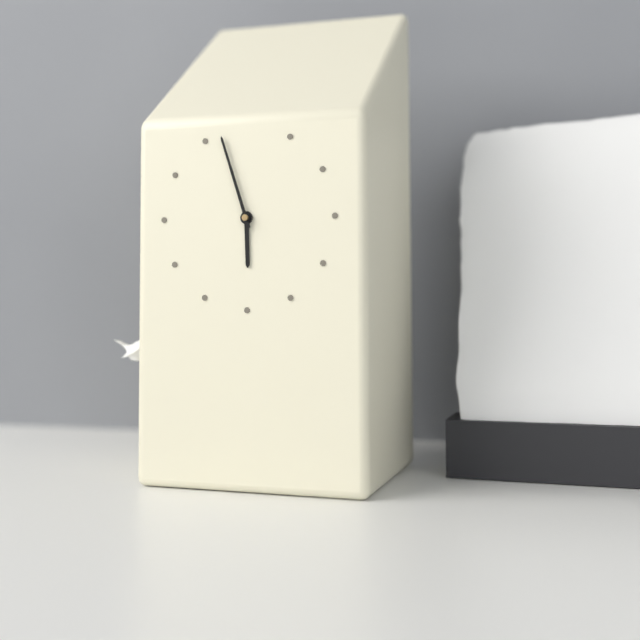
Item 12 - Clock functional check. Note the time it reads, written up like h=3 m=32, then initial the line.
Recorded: h=5 m=57
